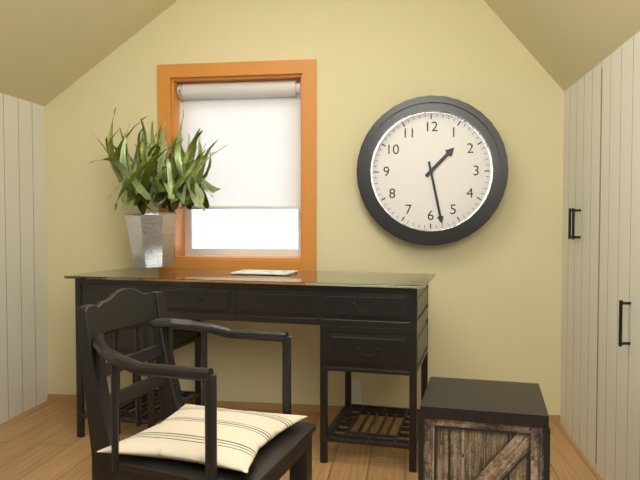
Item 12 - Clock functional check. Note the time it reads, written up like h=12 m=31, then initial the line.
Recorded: h=1 m=28
